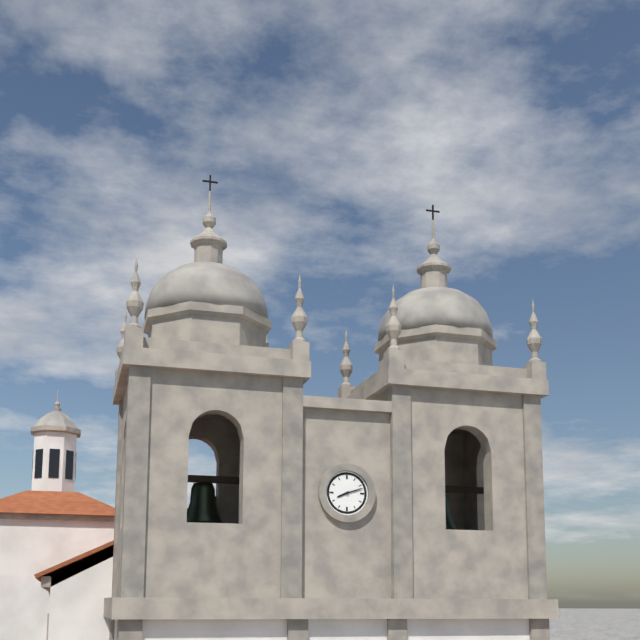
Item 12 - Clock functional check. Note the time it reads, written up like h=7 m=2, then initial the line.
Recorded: h=8 m=12
